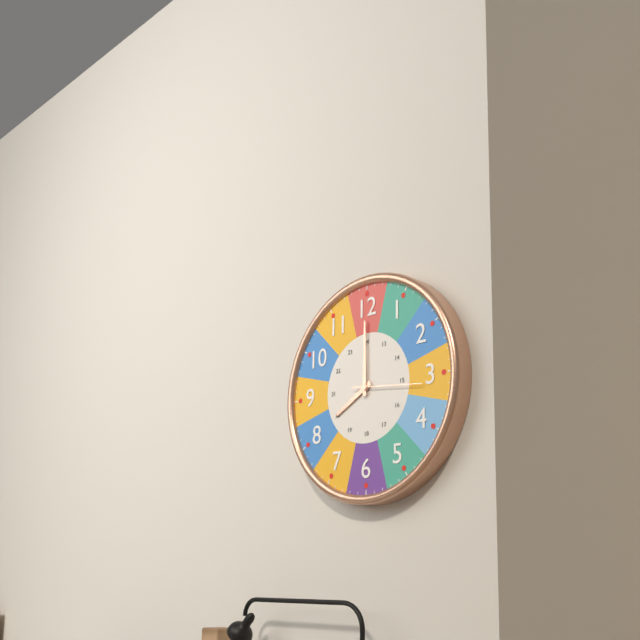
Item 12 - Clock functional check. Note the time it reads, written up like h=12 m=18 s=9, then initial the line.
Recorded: h=8 m=0 s=16
